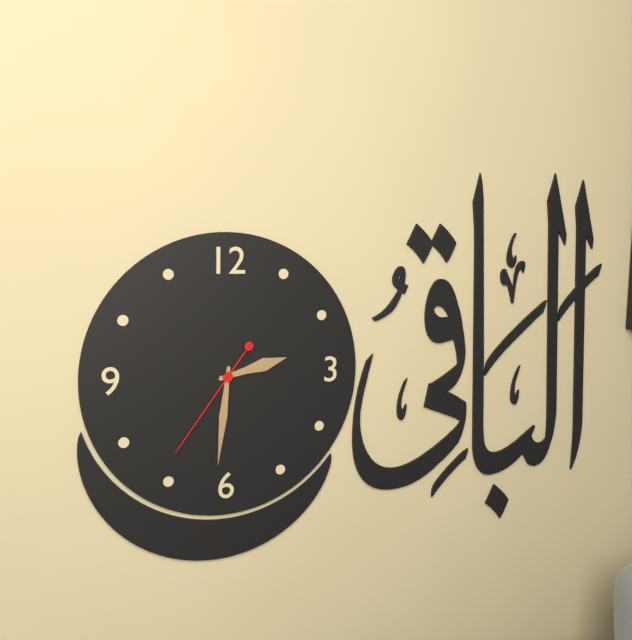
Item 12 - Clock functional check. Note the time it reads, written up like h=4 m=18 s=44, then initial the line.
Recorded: h=2 m=31 s=36
